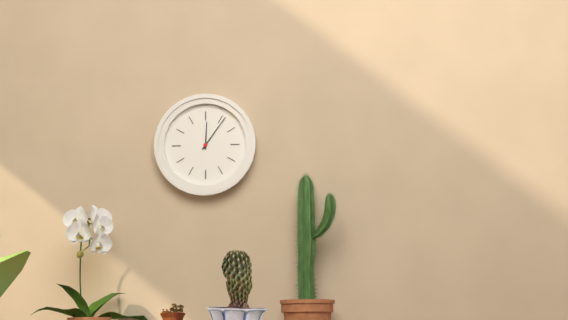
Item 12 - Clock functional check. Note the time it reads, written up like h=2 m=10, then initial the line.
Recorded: h=12 m=6
